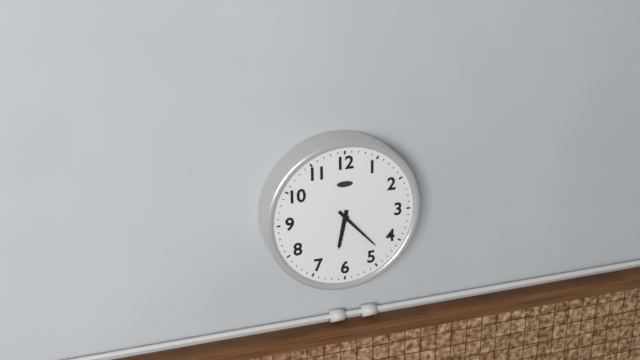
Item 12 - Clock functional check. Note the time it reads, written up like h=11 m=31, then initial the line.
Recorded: h=6 m=23
